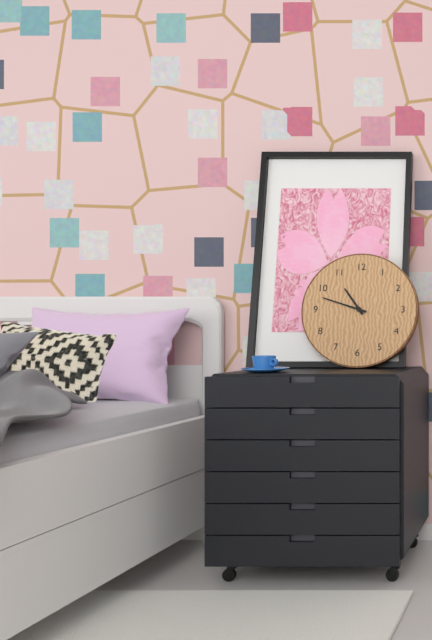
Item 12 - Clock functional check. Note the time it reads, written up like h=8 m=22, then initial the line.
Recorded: h=10 m=48
